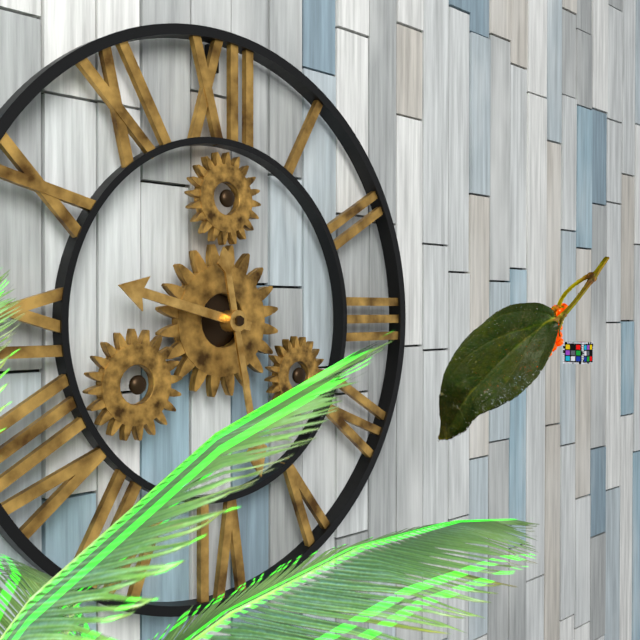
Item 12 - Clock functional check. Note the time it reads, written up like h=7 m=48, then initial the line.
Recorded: h=9 m=28
